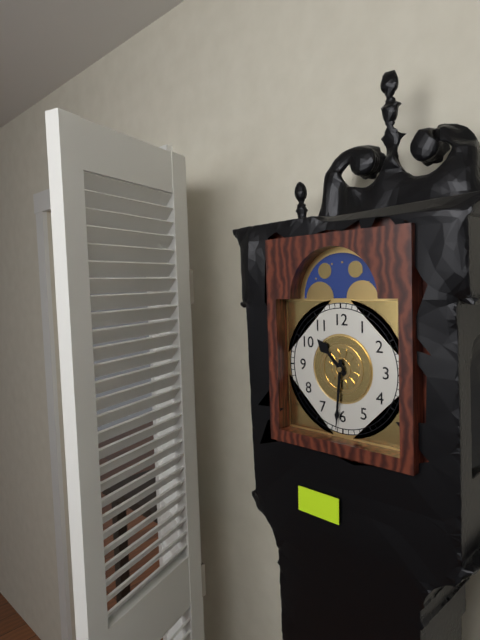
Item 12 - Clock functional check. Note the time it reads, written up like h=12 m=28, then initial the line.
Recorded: h=10 m=31
